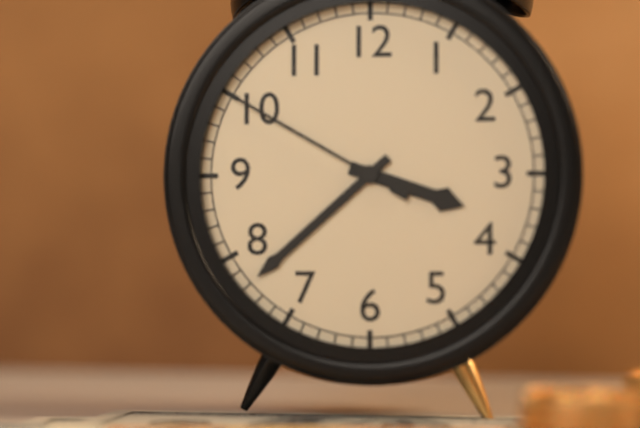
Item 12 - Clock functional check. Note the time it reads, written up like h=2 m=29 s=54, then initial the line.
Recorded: h=3 m=38 s=50
